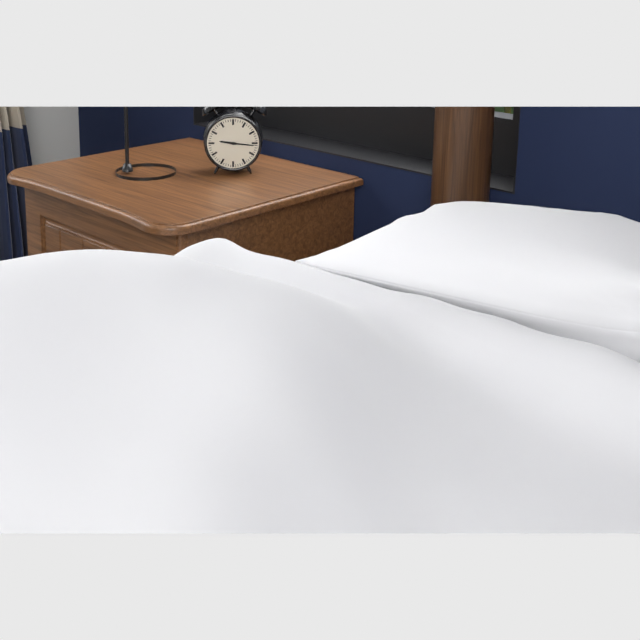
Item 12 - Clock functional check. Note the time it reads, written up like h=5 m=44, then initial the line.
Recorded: h=9 m=16
